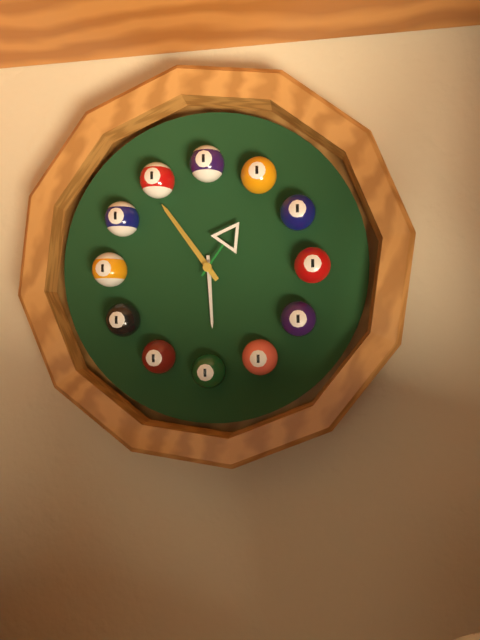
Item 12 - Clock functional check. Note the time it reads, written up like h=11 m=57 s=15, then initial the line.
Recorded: h=5 m=54 s=6
